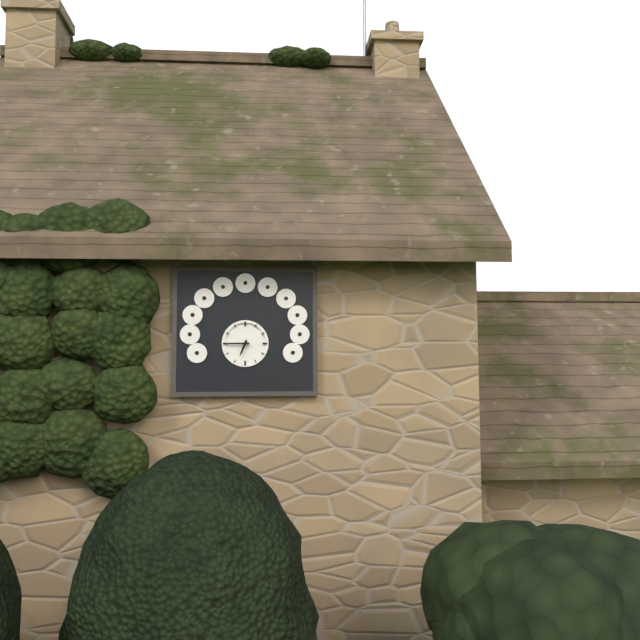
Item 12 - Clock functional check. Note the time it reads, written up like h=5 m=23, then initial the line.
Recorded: h=6 m=45
